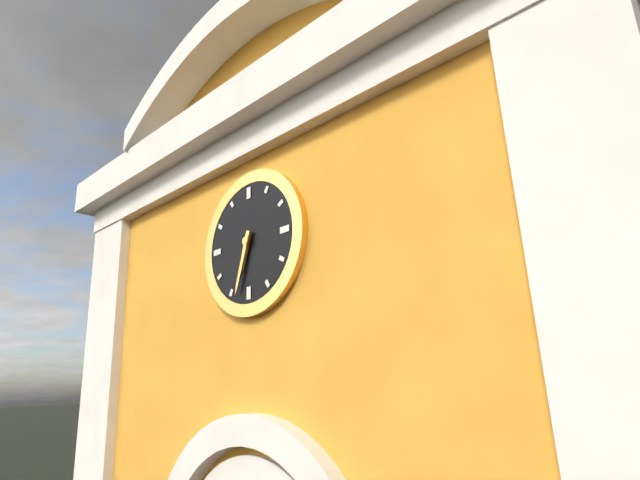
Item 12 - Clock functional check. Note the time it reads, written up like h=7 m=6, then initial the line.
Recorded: h=6 m=33
